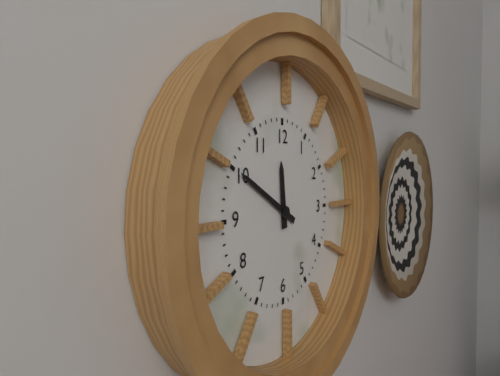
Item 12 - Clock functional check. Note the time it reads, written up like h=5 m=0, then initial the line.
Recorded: h=11 m=50
